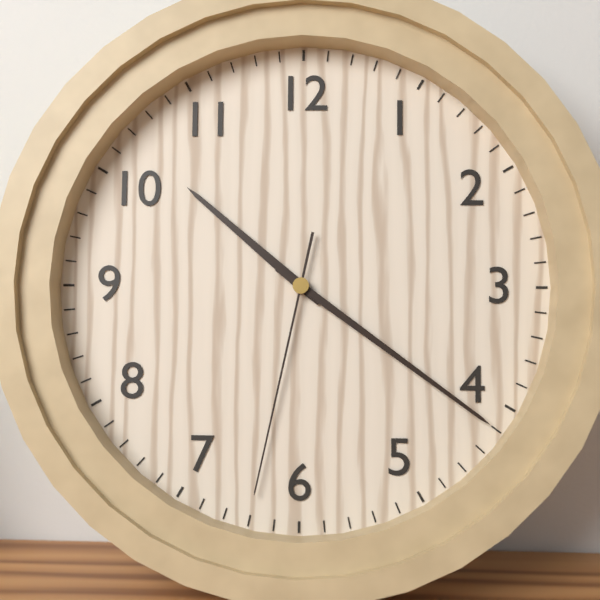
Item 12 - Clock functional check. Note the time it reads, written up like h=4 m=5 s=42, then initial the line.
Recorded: h=10 m=21 s=32
